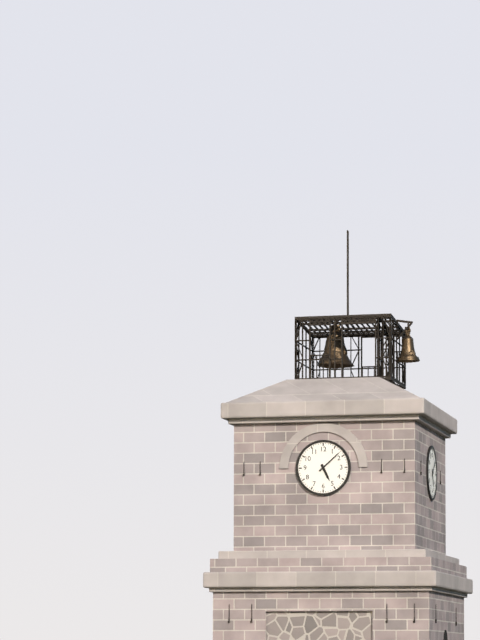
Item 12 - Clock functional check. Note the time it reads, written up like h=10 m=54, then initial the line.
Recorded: h=5 m=8
